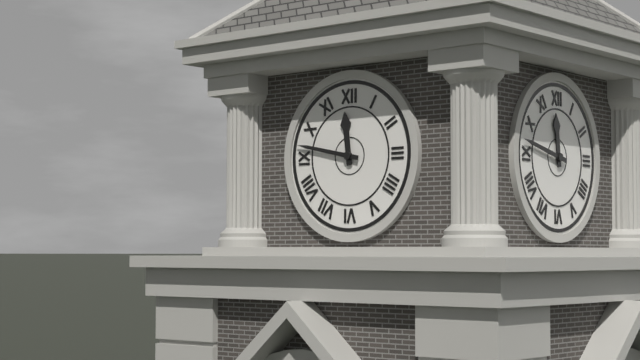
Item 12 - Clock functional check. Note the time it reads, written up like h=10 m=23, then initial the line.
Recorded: h=11 m=47
